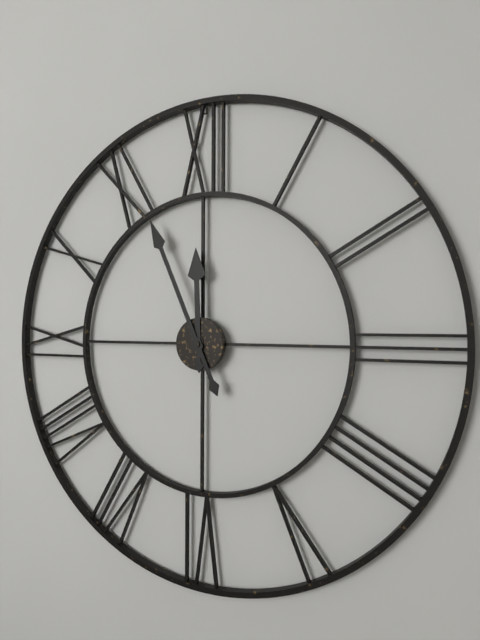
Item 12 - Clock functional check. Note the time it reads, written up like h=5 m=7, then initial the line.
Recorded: h=11 m=56
